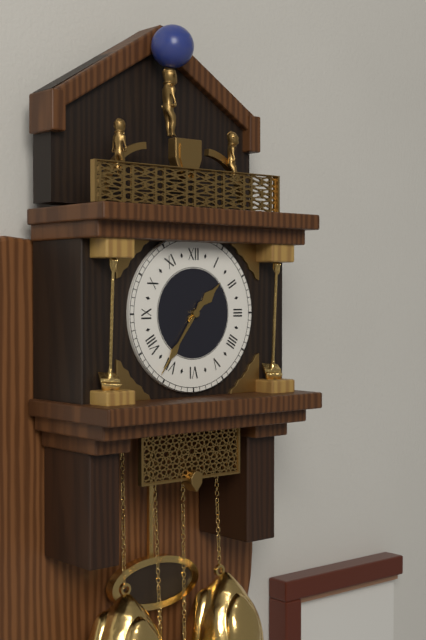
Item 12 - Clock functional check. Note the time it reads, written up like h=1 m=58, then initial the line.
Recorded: h=1 m=36
